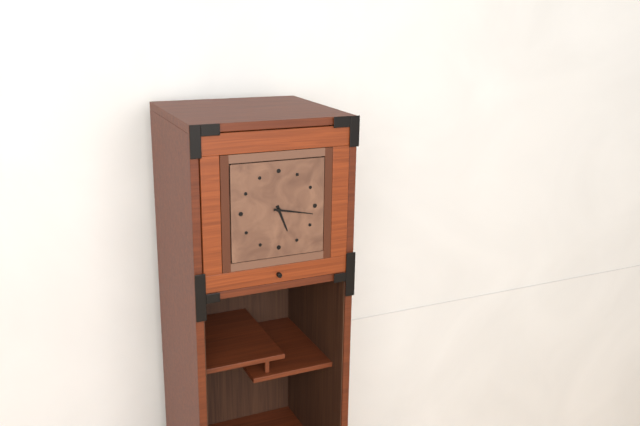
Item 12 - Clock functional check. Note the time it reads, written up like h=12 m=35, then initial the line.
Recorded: h=5 m=17
